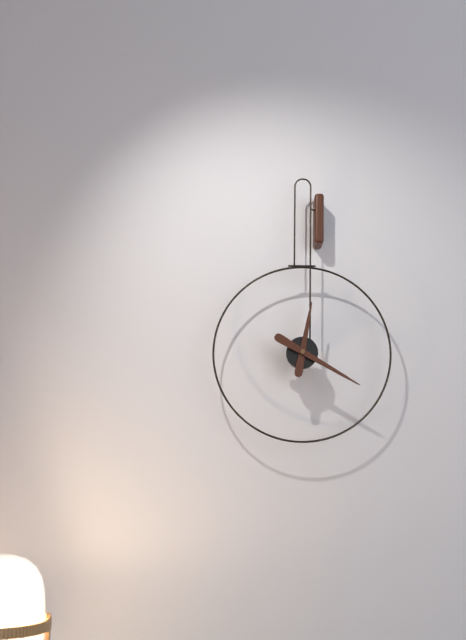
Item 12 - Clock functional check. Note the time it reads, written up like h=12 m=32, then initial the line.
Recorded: h=12 m=20
